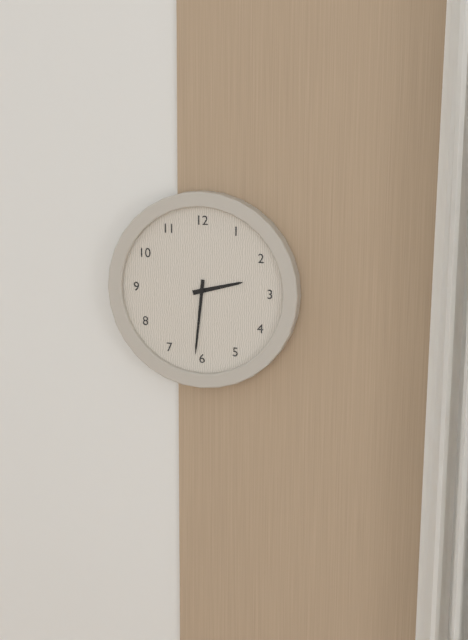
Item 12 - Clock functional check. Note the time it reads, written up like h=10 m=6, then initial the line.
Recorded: h=2 m=31
